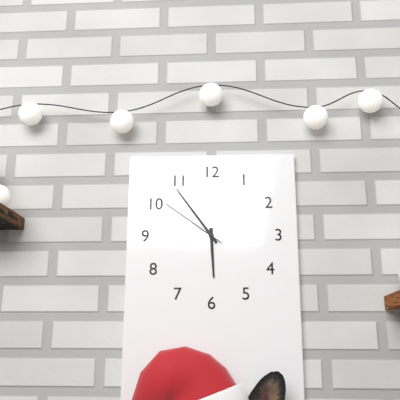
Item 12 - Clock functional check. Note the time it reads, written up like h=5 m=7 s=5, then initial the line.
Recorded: h=5 m=54 s=51
